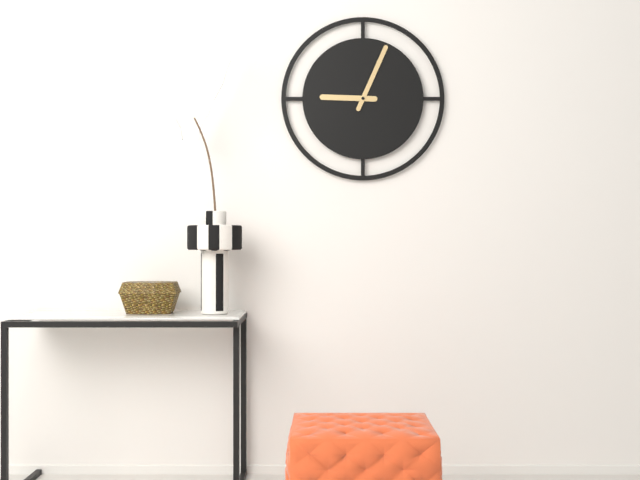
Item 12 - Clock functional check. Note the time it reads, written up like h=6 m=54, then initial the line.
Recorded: h=9 m=4
